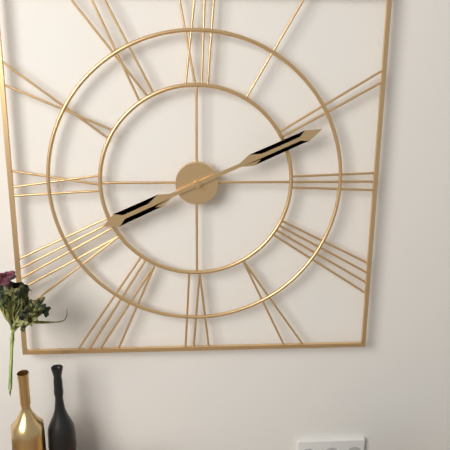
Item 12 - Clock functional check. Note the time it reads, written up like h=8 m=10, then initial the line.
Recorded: h=8 m=11
